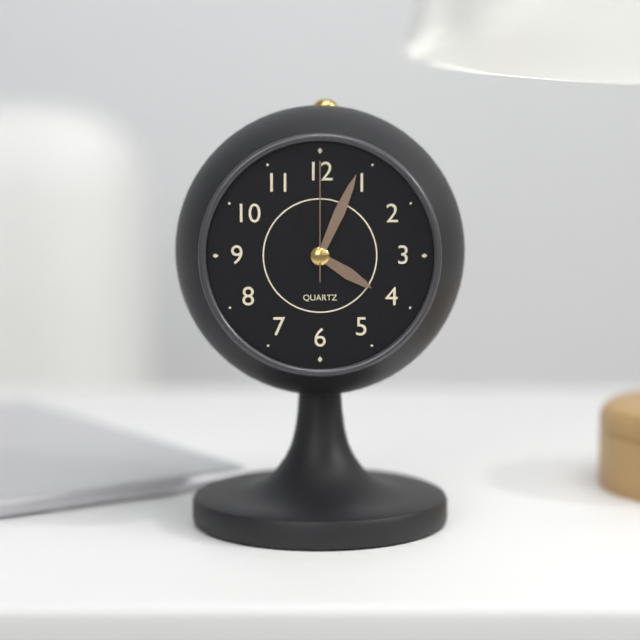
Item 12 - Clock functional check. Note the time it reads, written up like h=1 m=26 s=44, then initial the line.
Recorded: h=4 m=4 s=0
